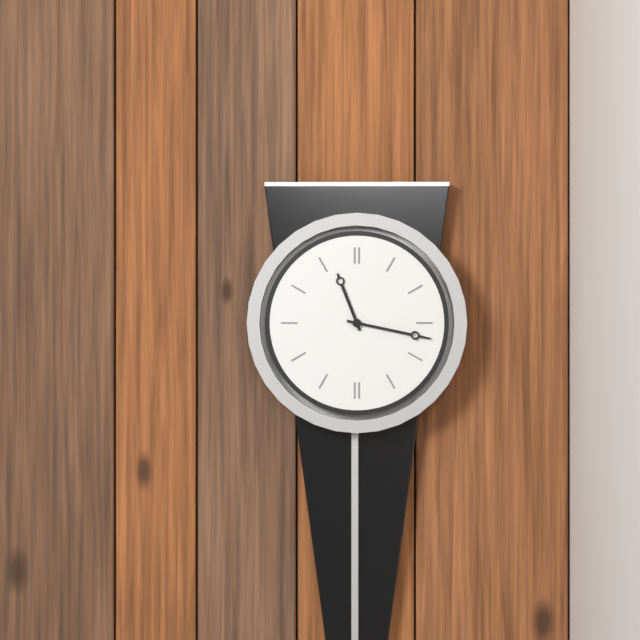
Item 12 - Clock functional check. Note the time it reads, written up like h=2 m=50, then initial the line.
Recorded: h=11 m=17
